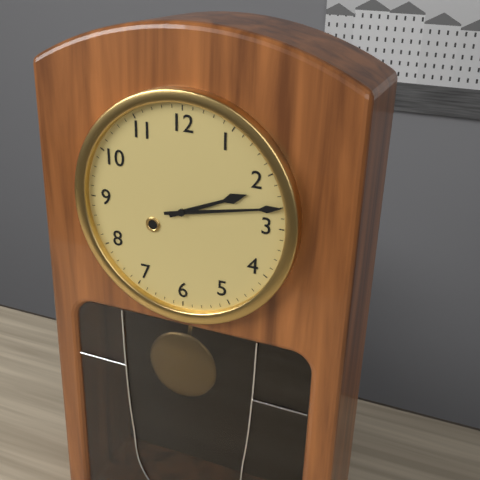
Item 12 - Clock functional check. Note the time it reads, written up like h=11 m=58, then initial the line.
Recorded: h=2 m=13
